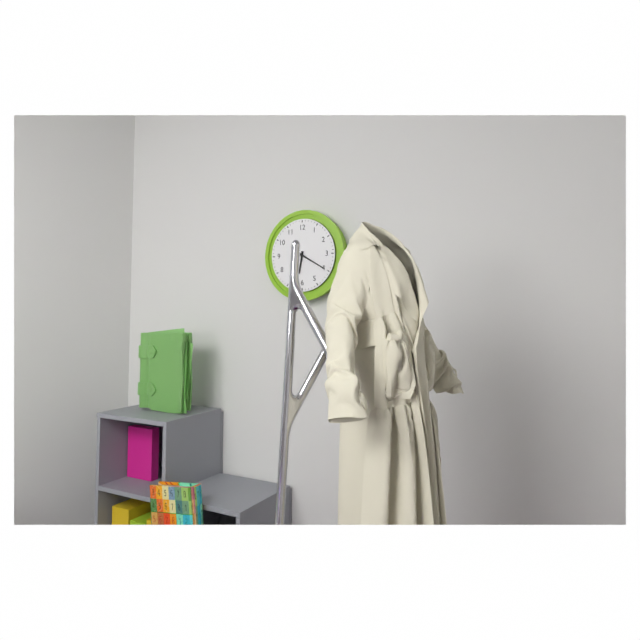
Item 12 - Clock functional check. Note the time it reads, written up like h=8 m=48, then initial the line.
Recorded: h=6 m=20
